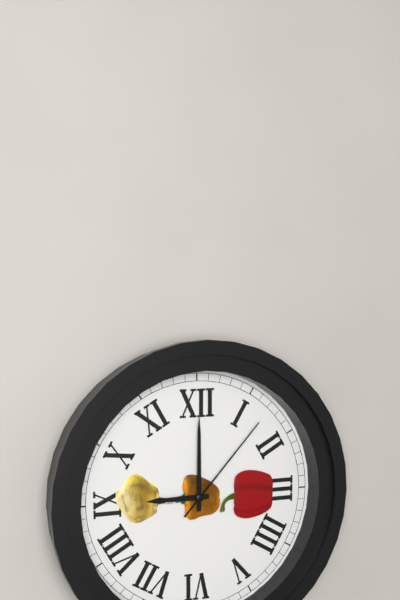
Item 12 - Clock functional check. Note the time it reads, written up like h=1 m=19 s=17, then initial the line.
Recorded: h=9 m=0 s=7
